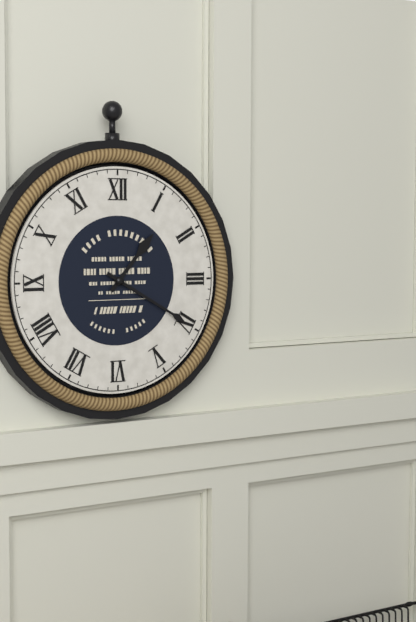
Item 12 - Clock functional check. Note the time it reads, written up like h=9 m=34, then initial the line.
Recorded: h=1 m=20
